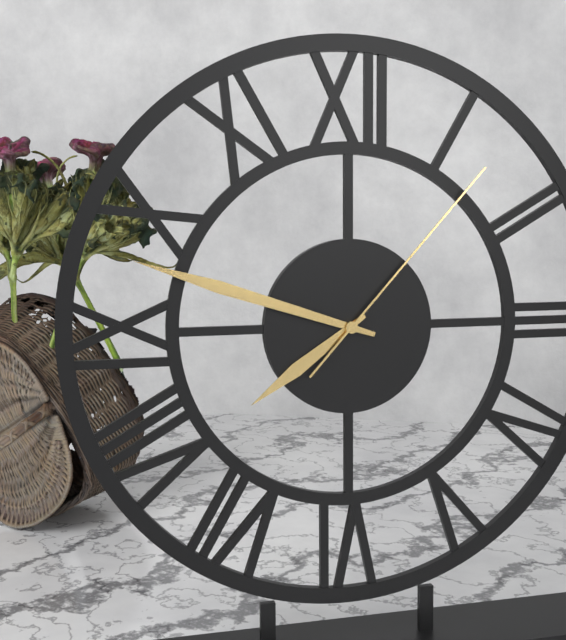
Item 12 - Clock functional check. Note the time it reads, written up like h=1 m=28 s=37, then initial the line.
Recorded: h=7 m=48 s=7
